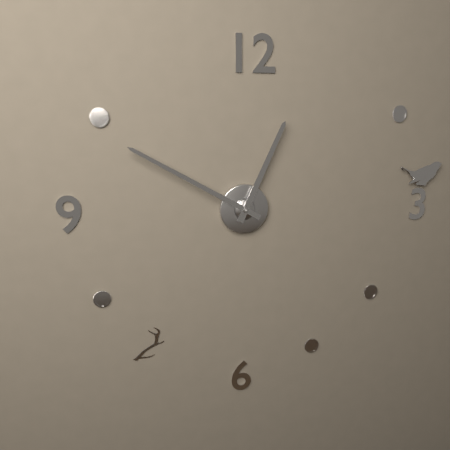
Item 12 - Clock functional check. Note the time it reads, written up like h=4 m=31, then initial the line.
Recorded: h=12 m=50
